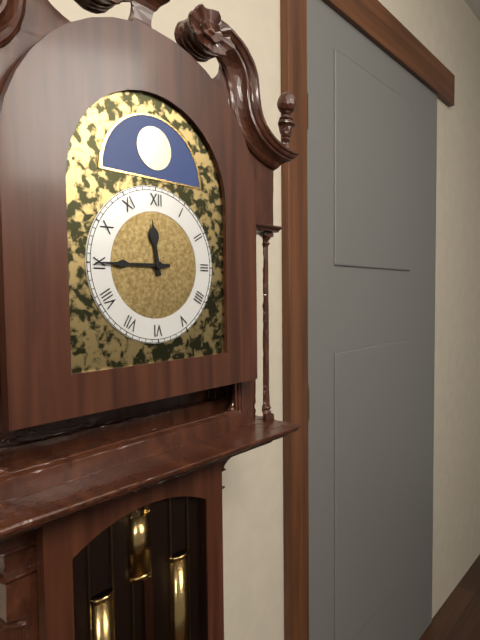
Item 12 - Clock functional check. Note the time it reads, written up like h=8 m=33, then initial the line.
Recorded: h=11 m=45
